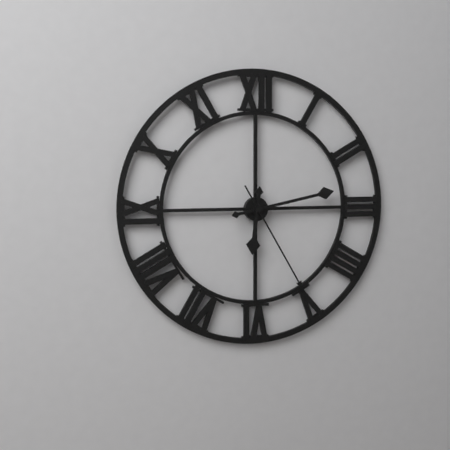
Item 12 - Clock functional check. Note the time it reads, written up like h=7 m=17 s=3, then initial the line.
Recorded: h=6 m=13 s=25
